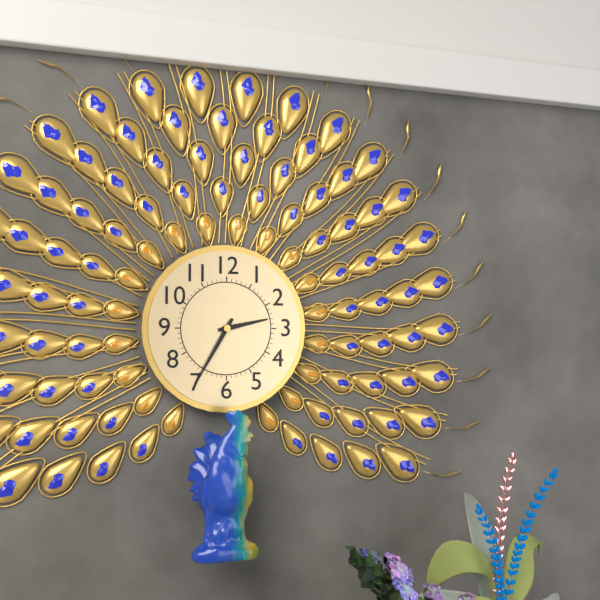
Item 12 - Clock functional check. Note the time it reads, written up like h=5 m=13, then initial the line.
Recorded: h=2 m=35
